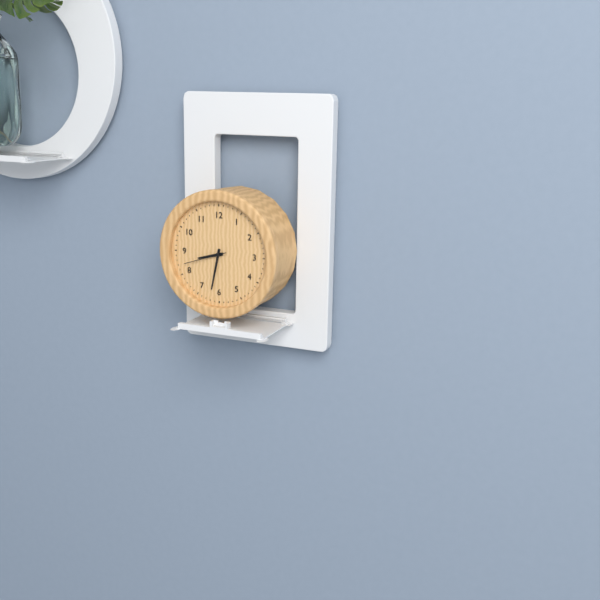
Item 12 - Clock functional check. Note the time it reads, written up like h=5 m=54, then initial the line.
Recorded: h=8 m=32
